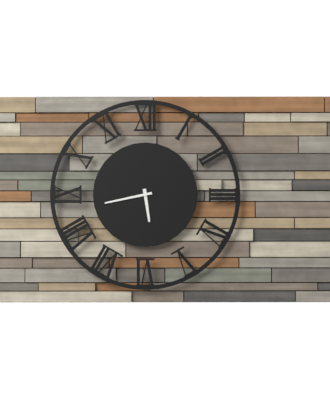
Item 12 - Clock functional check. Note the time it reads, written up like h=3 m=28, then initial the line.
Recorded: h=5 m=43
